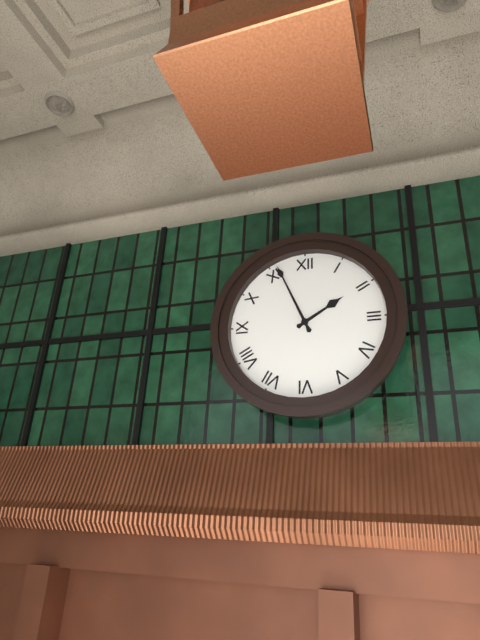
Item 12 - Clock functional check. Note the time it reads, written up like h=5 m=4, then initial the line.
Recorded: h=1 m=56
